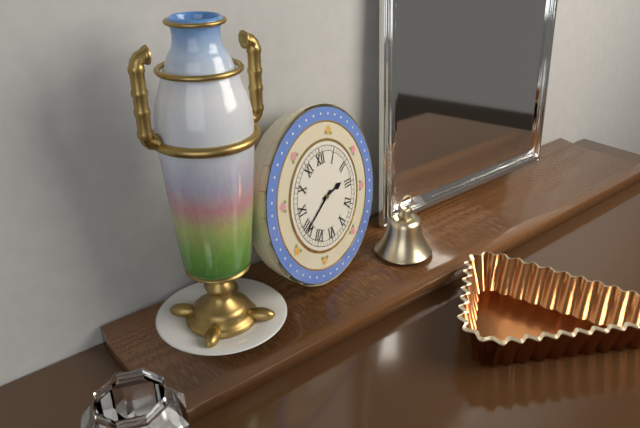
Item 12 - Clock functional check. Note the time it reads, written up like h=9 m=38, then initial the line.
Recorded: h=2 m=40
